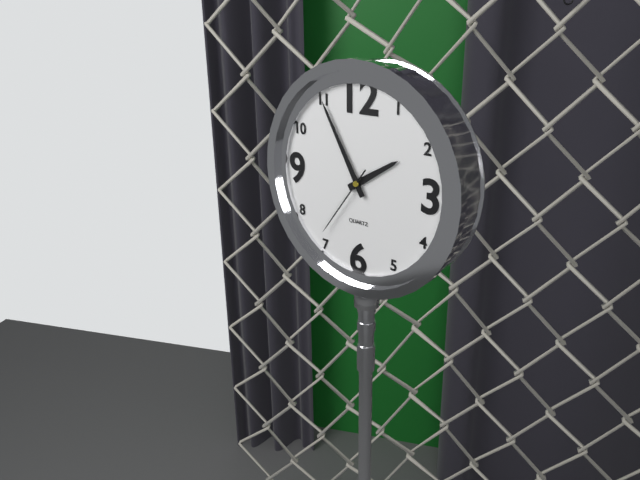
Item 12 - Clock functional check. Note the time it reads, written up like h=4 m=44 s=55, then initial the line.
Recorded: h=1 m=55 s=36
